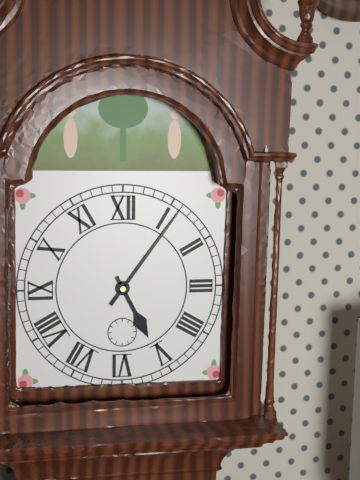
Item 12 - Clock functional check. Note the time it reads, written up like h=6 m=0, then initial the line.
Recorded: h=5 m=6
